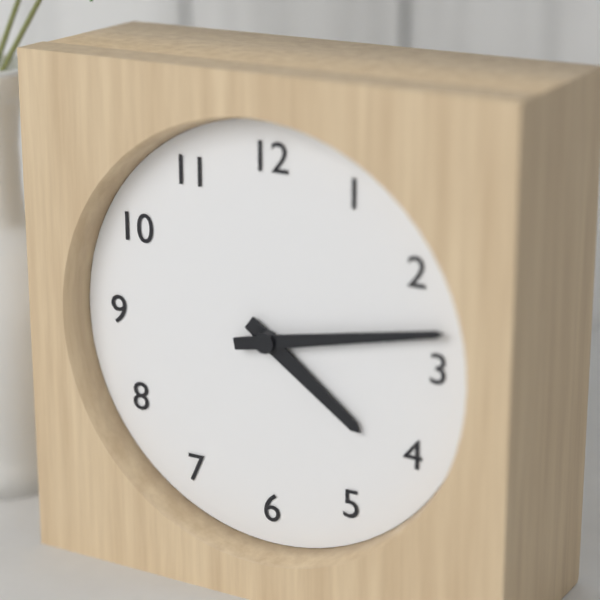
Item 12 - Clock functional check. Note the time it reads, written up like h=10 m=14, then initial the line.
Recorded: h=4 m=13
